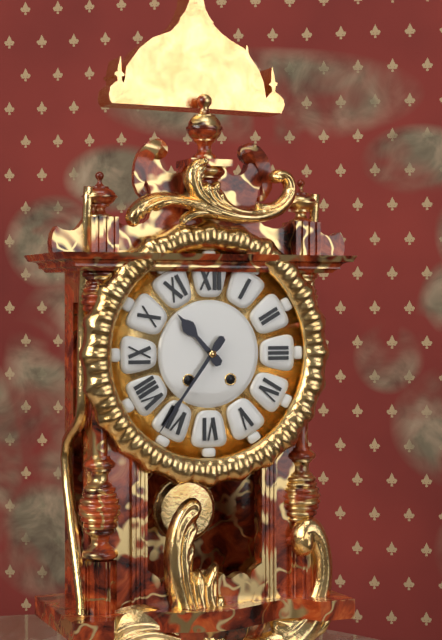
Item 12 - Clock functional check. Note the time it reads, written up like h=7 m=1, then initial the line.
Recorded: h=10 m=36
